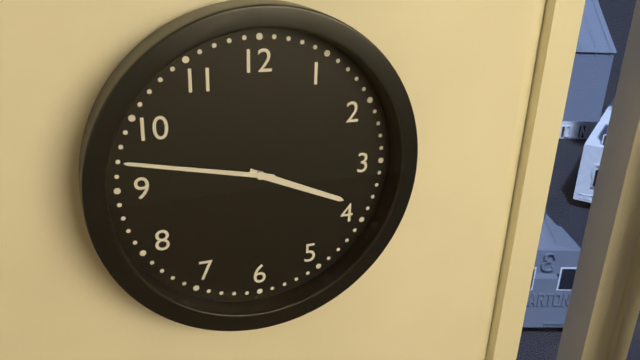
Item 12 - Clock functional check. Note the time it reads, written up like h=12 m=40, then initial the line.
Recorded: h=3 m=47
